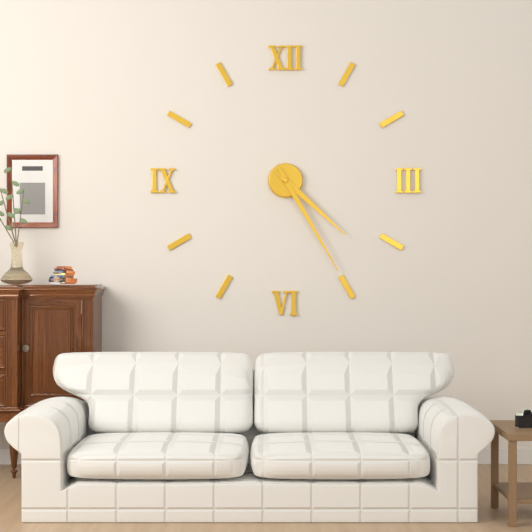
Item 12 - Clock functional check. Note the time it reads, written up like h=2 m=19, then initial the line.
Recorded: h=4 m=25
